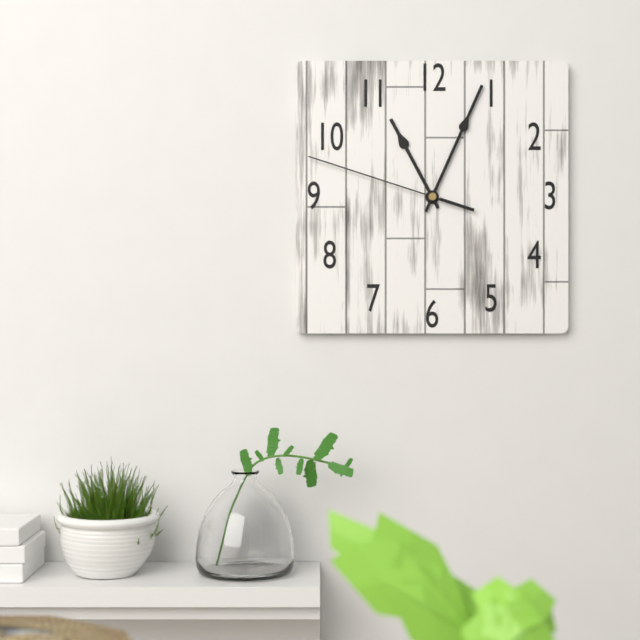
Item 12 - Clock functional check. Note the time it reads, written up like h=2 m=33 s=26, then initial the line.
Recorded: h=11 m=4 s=48
